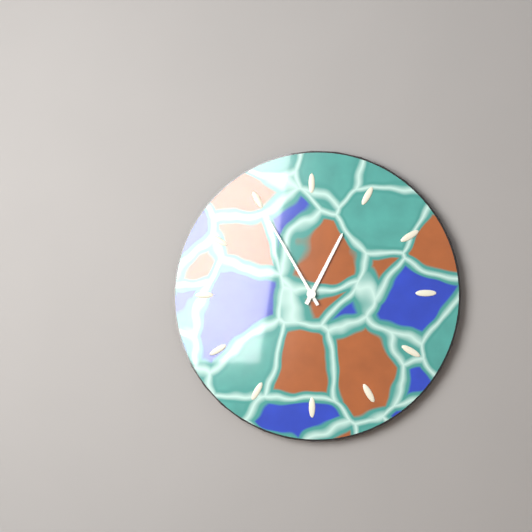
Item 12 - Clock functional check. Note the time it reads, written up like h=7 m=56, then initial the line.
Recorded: h=12 m=55
